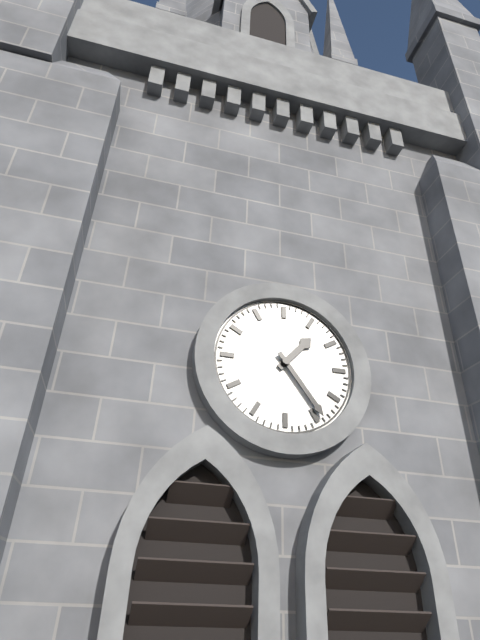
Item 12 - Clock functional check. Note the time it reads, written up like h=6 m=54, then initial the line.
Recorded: h=1 m=24
